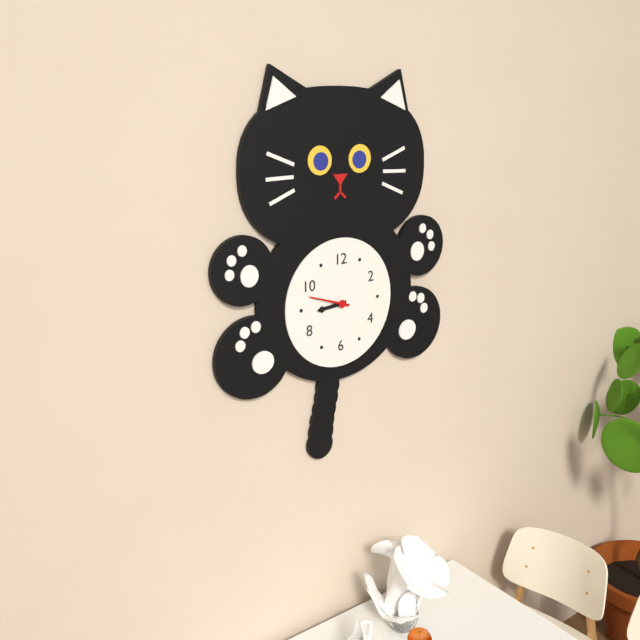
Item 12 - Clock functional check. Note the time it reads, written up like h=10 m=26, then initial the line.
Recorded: h=8 m=48
